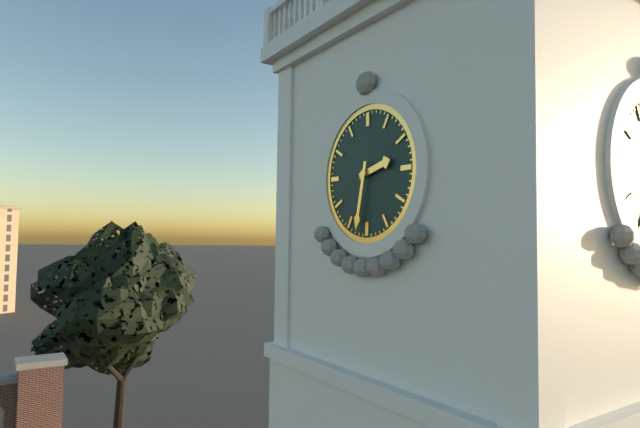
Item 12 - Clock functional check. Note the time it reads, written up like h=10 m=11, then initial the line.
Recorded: h=2 m=32
